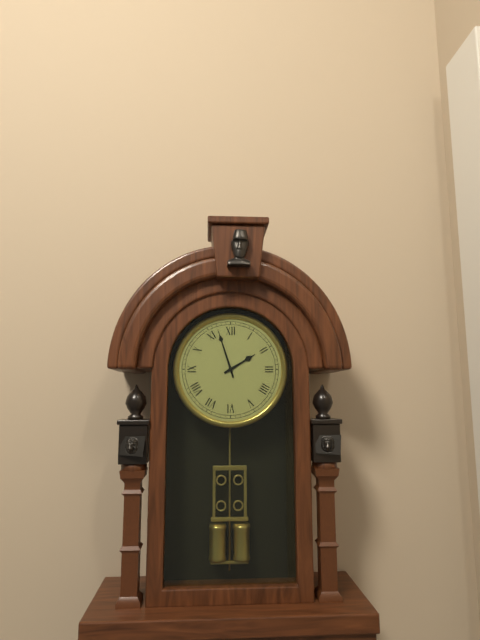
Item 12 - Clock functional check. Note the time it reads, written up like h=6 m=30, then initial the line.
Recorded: h=1 m=57
